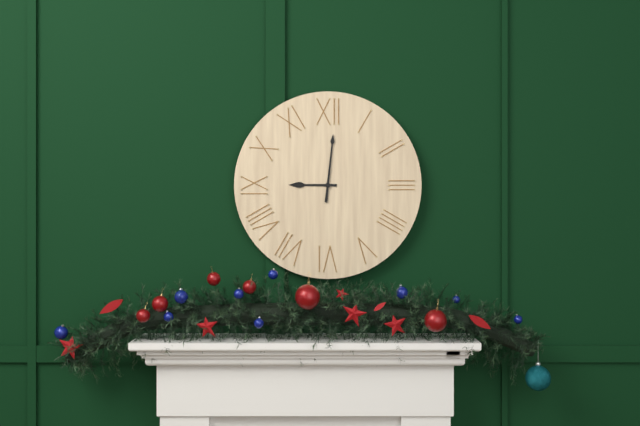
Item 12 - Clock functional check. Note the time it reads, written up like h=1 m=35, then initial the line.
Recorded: h=9 m=1
